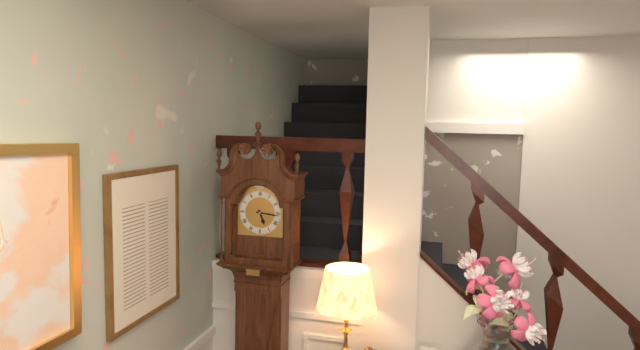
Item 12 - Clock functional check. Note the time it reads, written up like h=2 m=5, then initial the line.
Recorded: h=5 m=16
